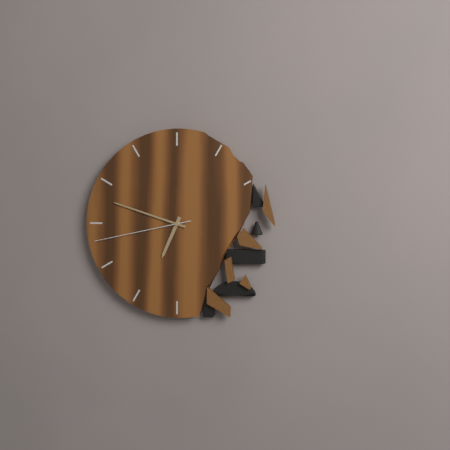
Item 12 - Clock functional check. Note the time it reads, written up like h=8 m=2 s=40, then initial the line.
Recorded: h=6 m=48 s=43
